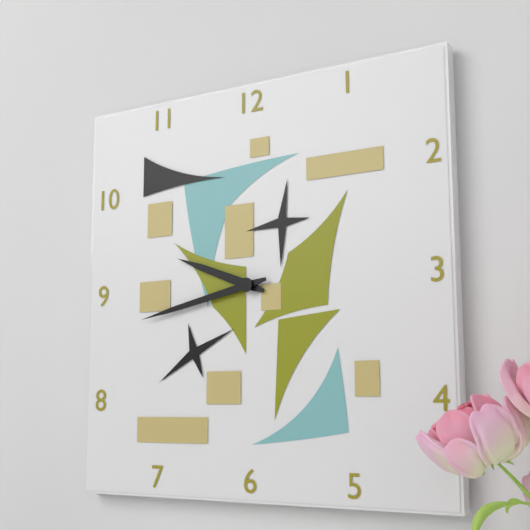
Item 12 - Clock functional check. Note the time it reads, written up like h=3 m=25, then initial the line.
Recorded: h=9 m=43
